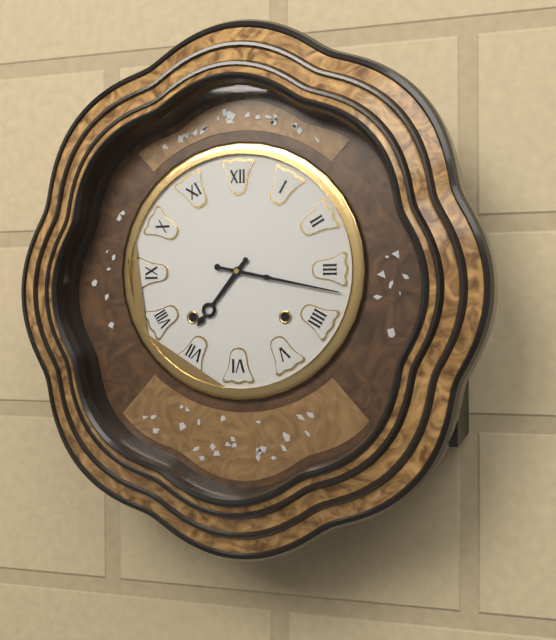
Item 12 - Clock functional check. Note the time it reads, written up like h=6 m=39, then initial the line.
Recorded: h=7 m=17
